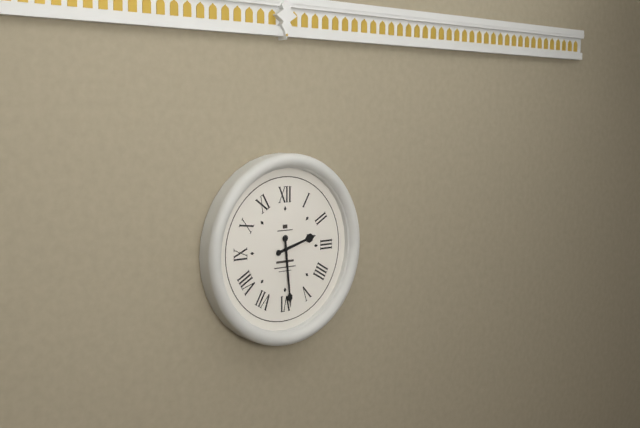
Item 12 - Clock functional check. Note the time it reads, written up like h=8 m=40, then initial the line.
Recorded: h=2 m=29
